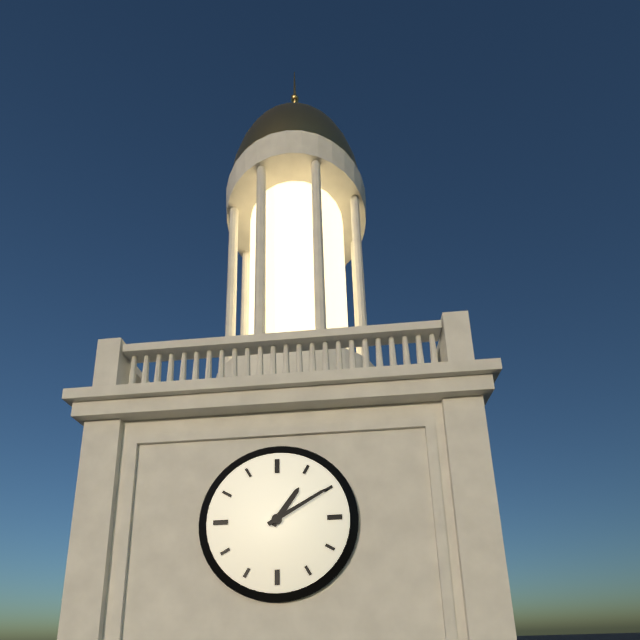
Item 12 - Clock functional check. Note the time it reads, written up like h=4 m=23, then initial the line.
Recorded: h=1 m=10
